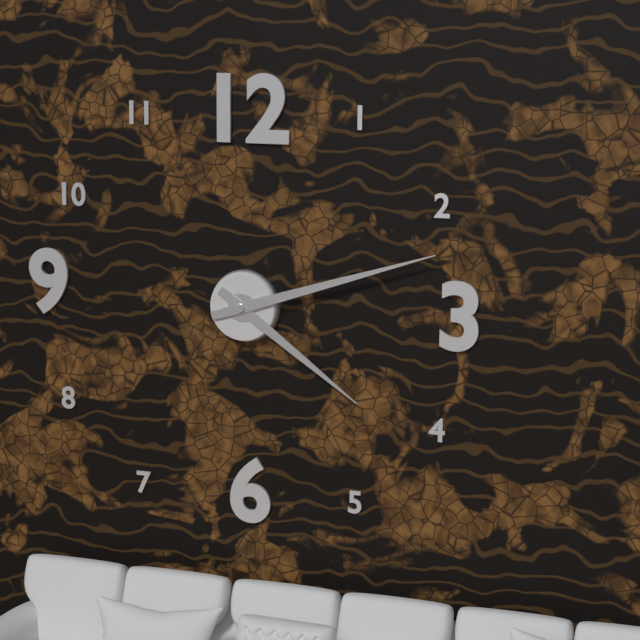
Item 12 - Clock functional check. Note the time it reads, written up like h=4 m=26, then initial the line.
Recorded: h=4 m=12
